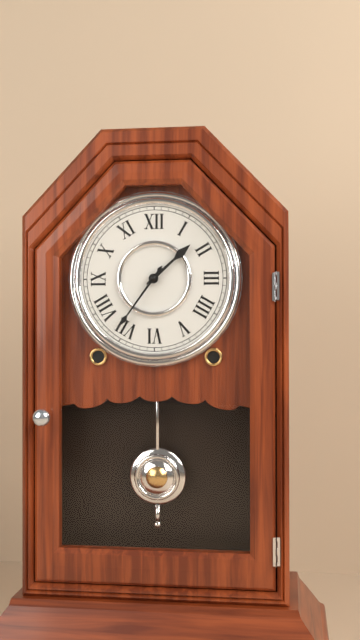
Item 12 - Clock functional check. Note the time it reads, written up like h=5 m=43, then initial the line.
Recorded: h=1 m=36
